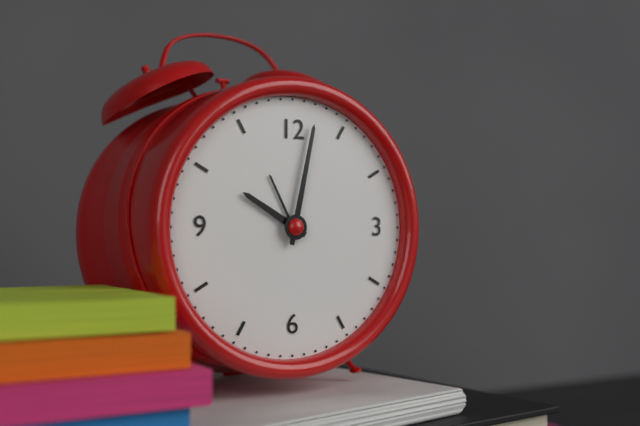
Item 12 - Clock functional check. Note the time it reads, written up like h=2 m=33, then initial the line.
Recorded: h=10 m=2
